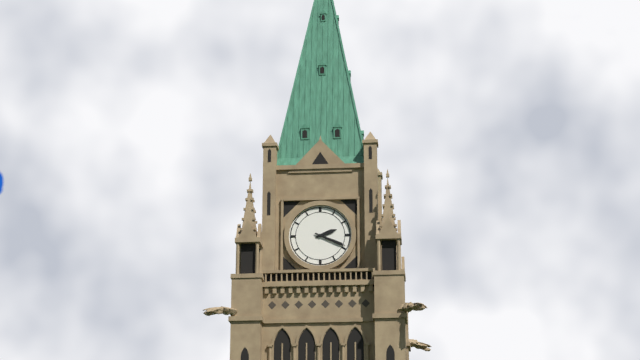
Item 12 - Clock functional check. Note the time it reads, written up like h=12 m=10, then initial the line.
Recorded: h=2 m=19
